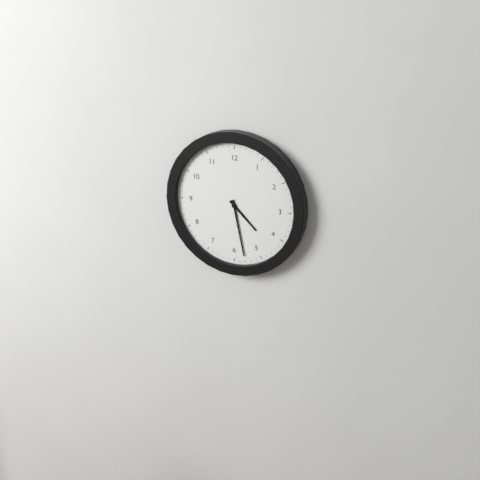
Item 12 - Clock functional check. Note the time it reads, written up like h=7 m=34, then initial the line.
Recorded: h=4 m=28
